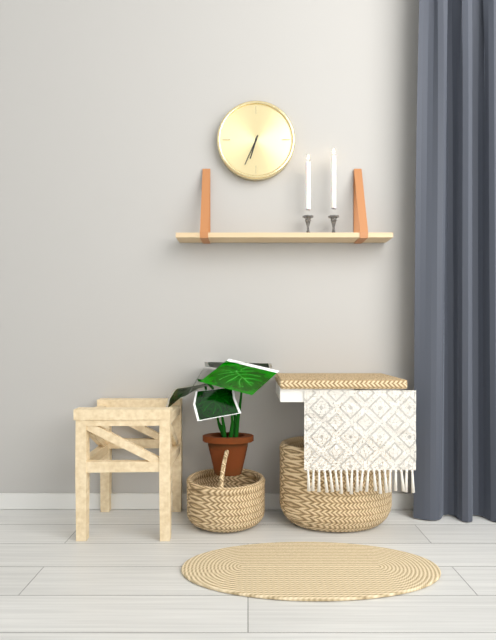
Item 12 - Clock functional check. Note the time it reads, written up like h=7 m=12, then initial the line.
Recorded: h=6 m=34
